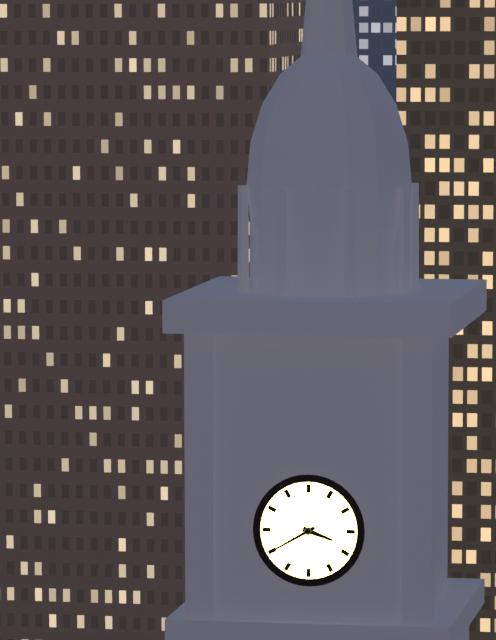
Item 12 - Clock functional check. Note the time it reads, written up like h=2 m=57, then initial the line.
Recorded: h=3 m=40
